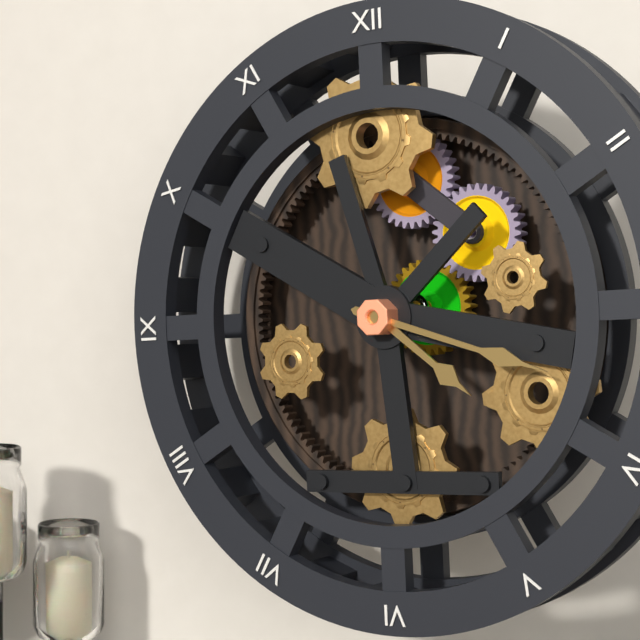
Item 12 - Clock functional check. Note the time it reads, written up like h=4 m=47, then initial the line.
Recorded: h=4 m=18
